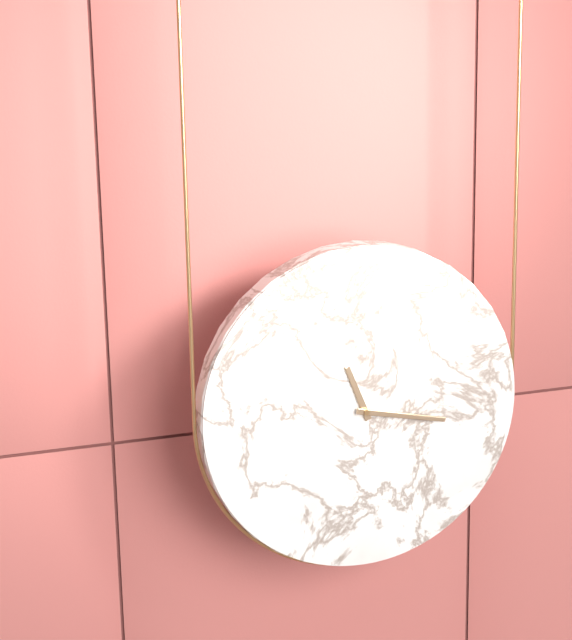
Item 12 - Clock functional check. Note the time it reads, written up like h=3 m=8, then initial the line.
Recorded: h=11 m=17
